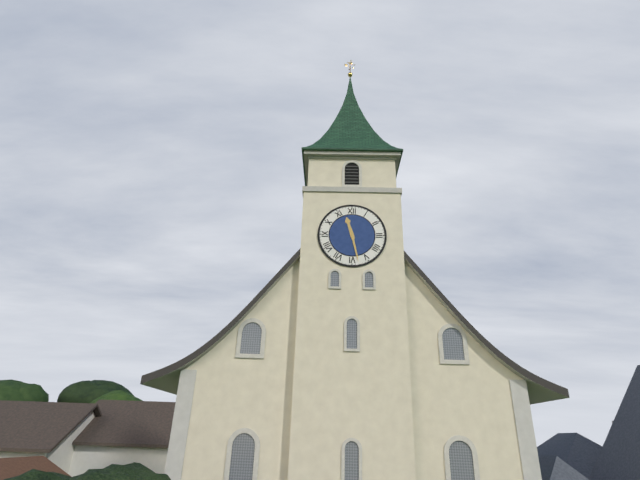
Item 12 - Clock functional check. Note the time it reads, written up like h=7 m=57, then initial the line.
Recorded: h=11 m=28
